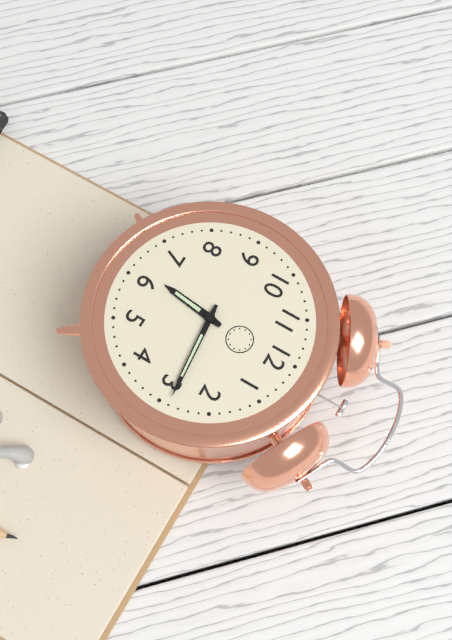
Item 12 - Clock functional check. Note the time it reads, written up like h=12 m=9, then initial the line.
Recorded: h=6 m=14
